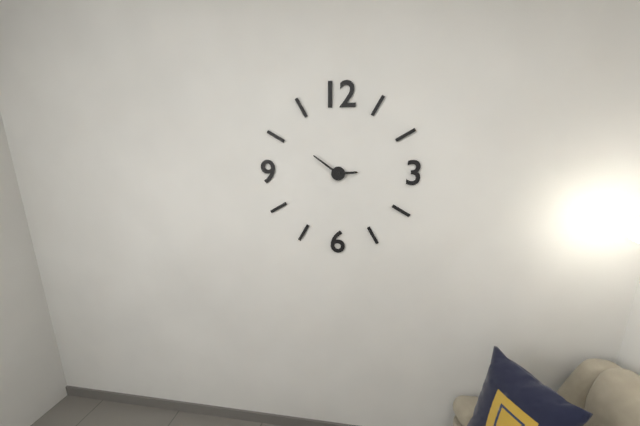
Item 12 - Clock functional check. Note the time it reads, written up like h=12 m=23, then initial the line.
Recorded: h=2 m=51
